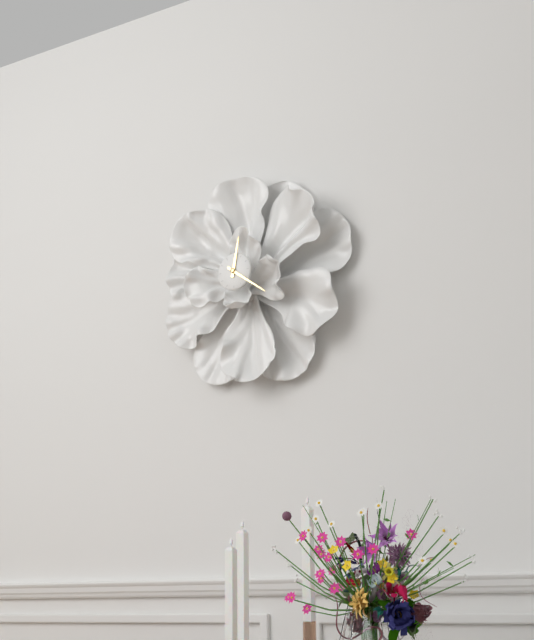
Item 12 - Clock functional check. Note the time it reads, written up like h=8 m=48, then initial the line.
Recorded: h=12 m=21
